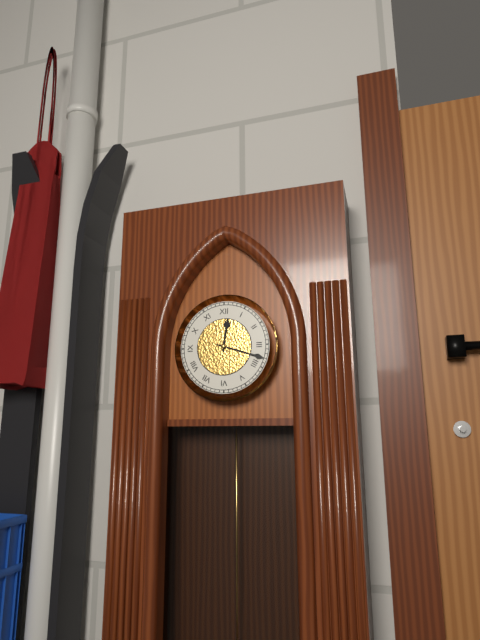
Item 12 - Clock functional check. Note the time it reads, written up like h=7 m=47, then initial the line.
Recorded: h=12 m=18
